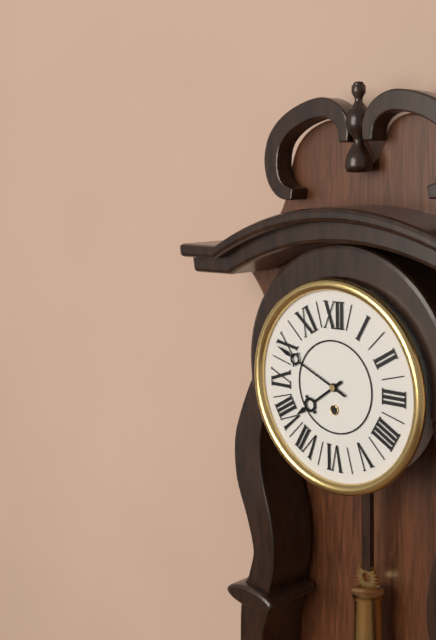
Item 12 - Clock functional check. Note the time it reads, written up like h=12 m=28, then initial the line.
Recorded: h=7 m=49
